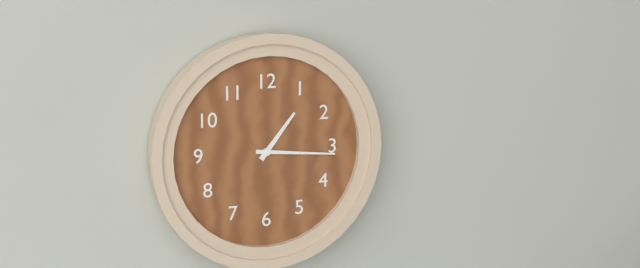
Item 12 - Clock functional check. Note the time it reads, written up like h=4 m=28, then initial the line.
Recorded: h=1 m=16
